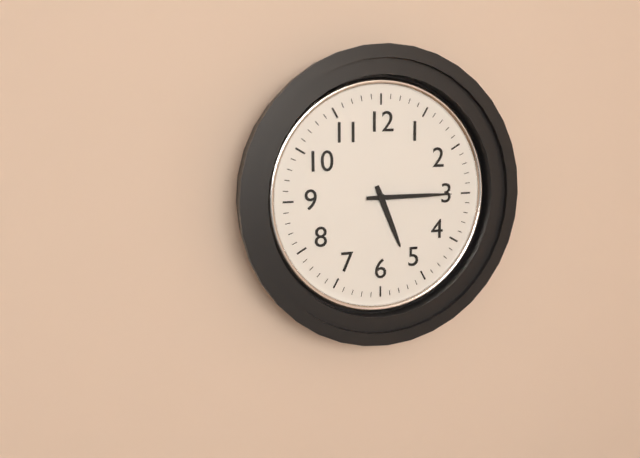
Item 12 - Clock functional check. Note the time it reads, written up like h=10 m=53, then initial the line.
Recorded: h=5 m=15
